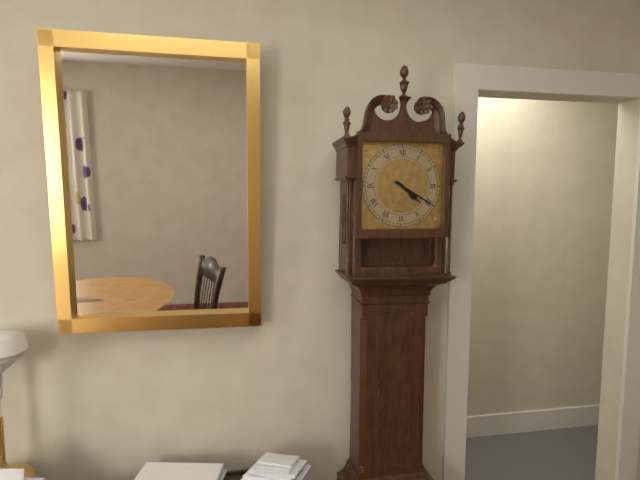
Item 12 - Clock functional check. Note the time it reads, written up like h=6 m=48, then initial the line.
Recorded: h=4 m=20
